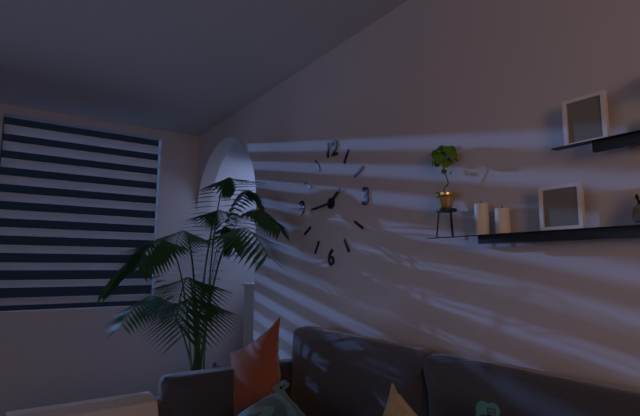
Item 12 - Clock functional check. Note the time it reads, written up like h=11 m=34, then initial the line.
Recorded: h=1 m=44
